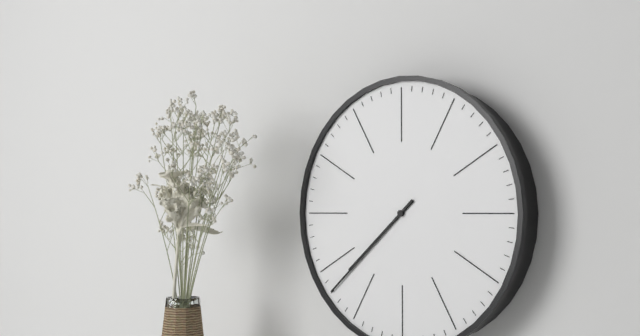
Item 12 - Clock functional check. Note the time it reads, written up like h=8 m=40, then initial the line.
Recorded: h=7 m=38
